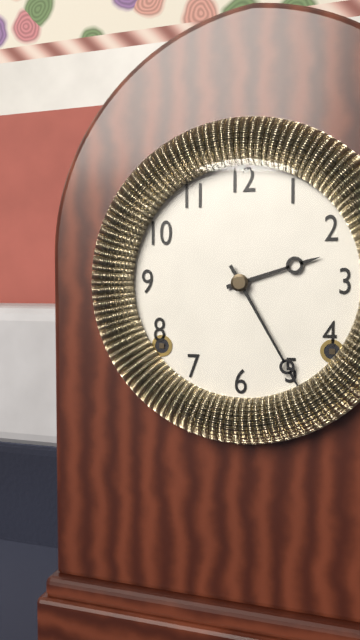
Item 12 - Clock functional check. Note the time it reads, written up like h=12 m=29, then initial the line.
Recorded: h=2 m=25
